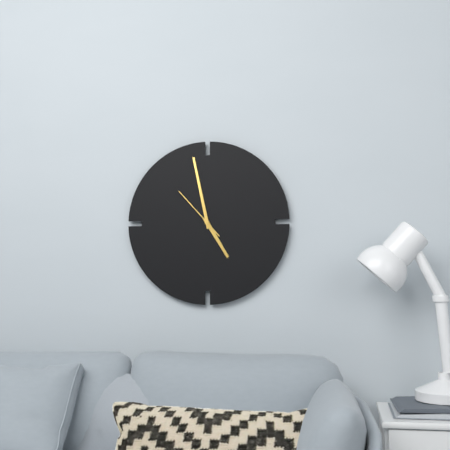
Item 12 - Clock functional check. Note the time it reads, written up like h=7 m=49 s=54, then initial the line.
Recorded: h=4 m=58 s=53
